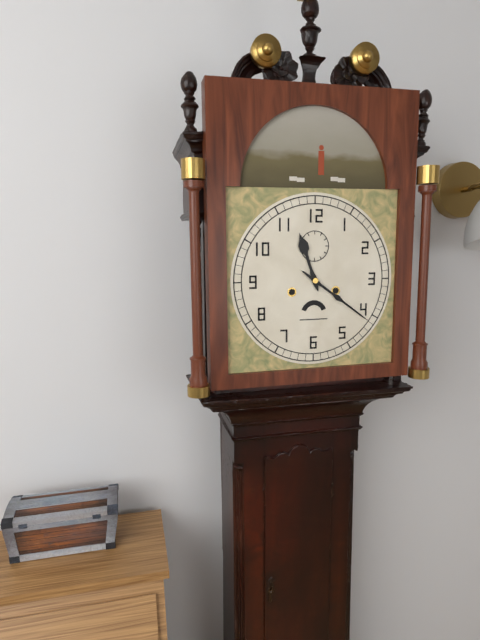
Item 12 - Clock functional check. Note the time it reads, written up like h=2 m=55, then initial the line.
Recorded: h=11 m=21
